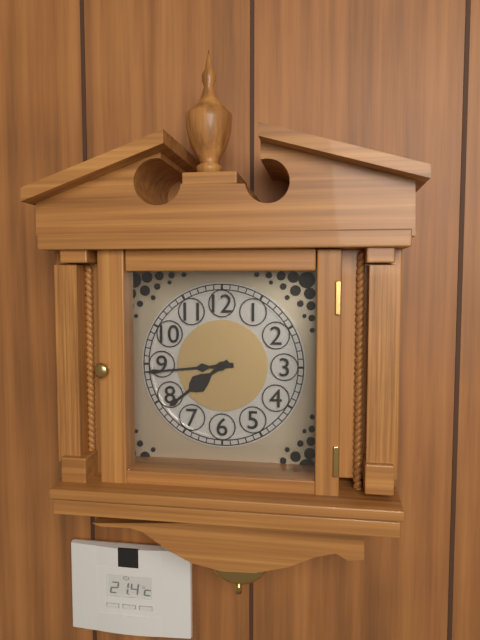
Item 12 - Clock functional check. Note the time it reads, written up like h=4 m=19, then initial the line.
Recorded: h=7 m=44
